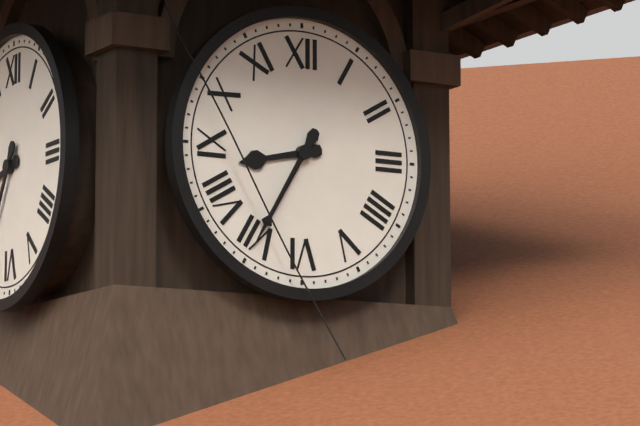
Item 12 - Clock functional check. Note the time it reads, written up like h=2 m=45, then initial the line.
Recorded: h=8 m=35
